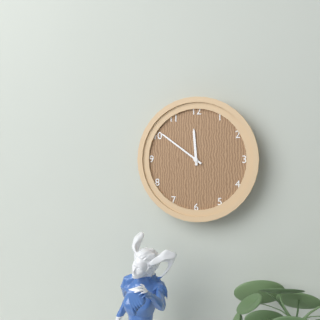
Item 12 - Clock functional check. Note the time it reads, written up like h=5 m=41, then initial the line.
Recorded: h=11 m=51
